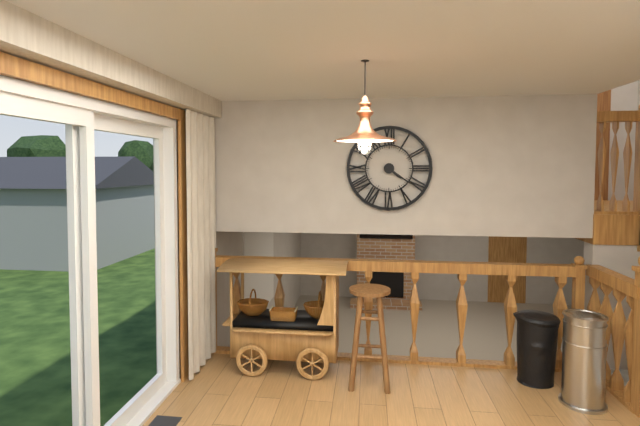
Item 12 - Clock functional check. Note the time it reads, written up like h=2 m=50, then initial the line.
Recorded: h=4 m=21
